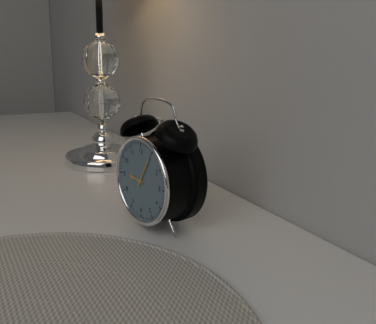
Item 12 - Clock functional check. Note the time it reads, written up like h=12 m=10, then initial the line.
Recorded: h=9 m=5
